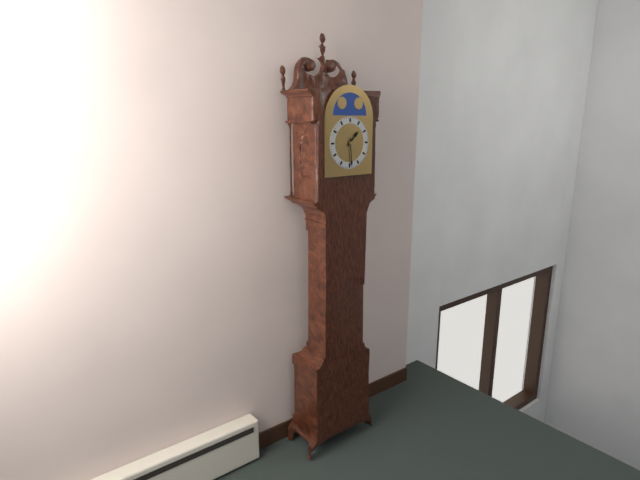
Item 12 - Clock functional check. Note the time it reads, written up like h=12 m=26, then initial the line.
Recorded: h=1 m=29
